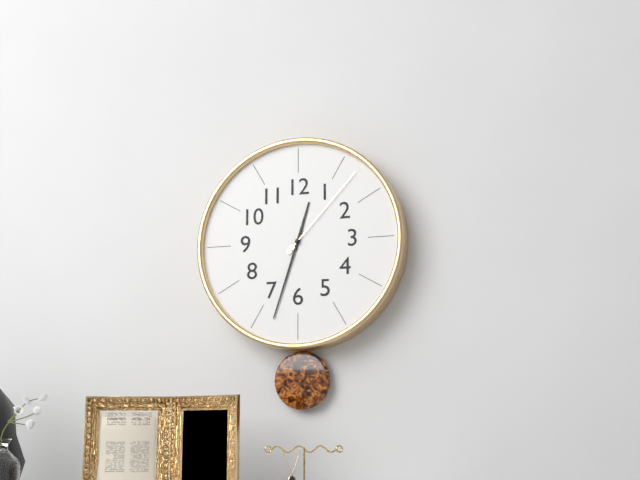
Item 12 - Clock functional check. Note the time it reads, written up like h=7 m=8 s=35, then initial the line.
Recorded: h=12 m=33 s=7
